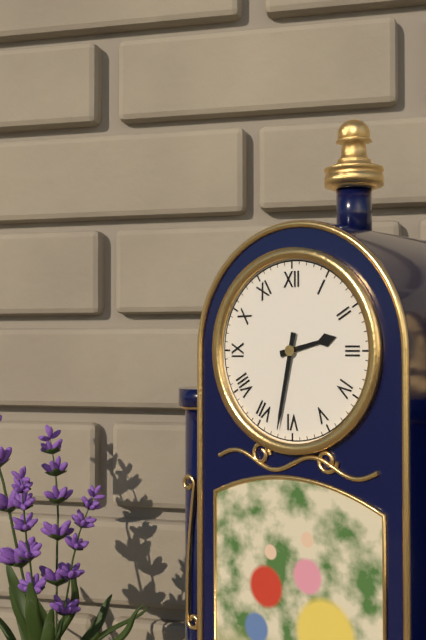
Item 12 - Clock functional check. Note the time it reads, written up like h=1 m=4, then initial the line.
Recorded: h=2 m=32
